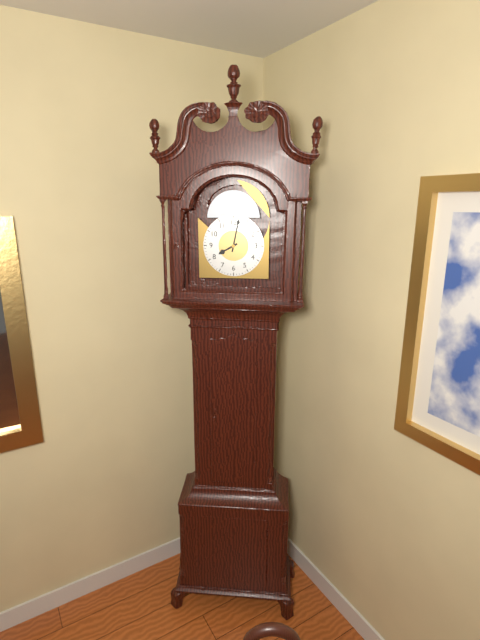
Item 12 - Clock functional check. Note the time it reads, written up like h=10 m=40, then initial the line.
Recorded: h=8 m=2
